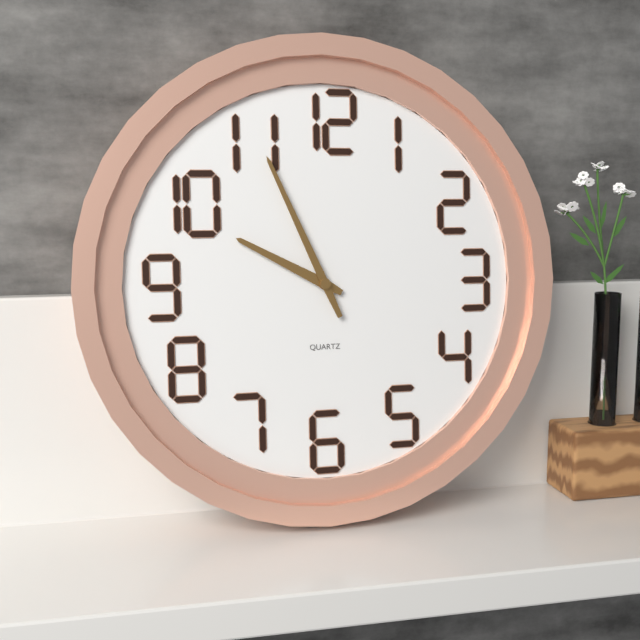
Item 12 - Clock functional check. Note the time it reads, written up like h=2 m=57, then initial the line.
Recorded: h=9 m=56
